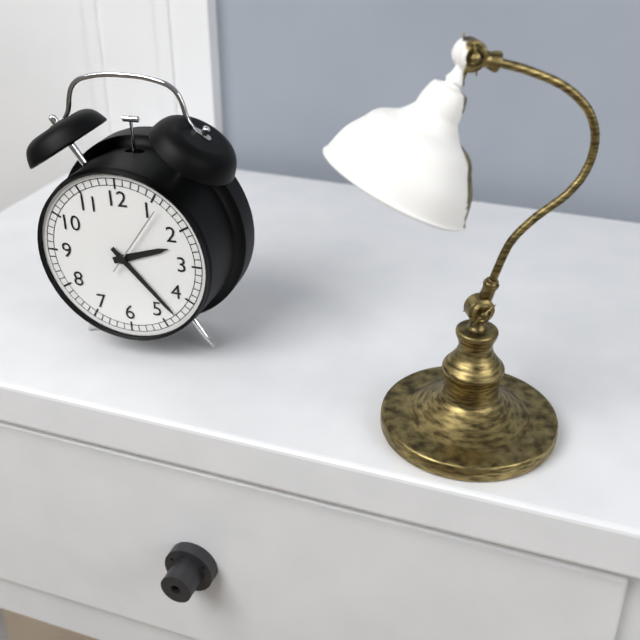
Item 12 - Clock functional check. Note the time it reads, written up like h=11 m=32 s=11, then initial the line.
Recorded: h=2 m=23 s=6
